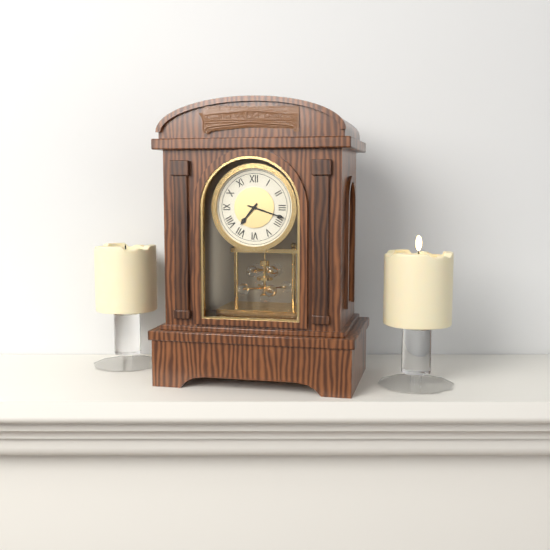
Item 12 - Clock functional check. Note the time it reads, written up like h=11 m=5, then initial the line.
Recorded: h=7 m=18
